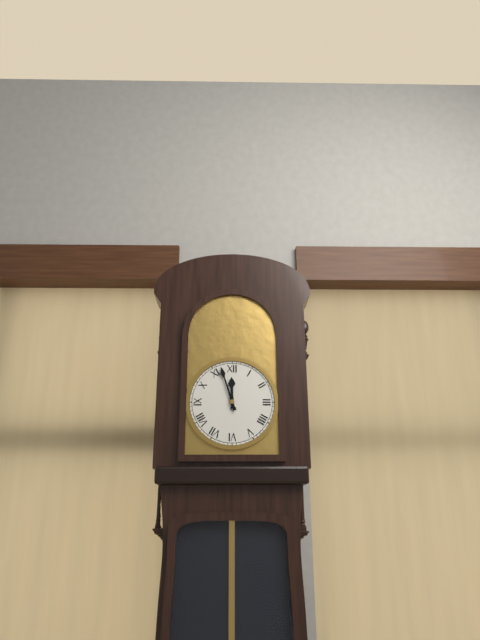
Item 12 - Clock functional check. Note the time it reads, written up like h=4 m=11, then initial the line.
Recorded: h=11 m=57
